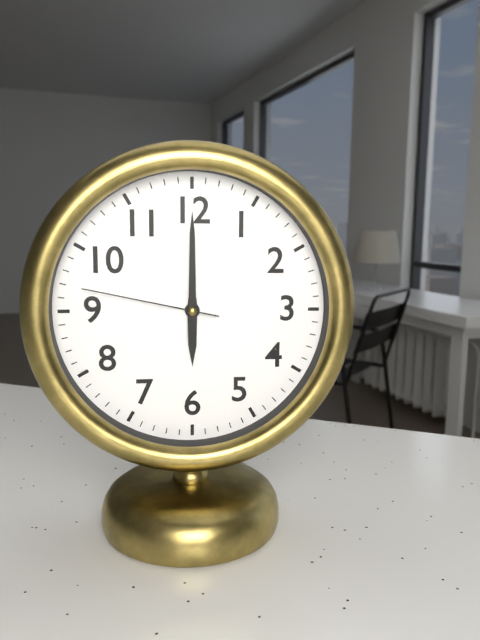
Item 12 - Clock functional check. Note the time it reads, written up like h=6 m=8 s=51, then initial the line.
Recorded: h=6 m=0 s=47
